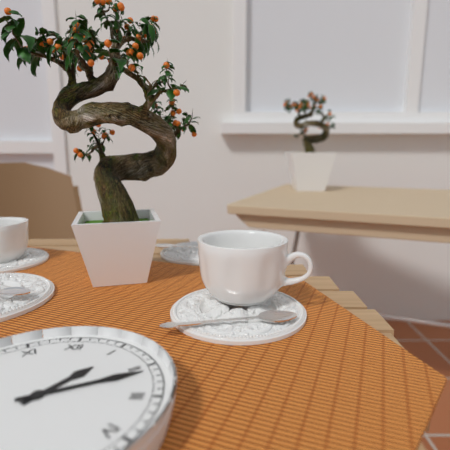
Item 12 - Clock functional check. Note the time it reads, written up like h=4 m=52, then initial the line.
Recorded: h=1 m=11
